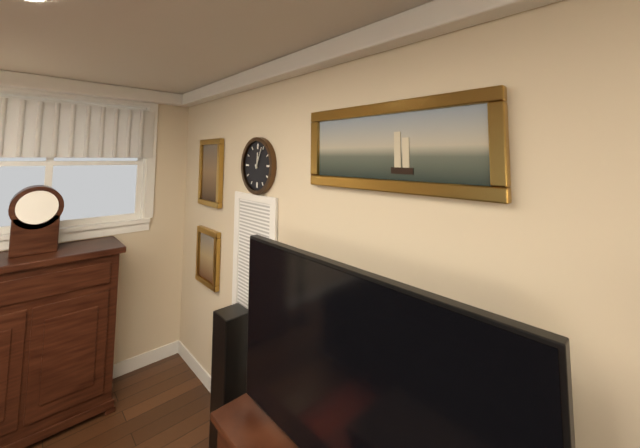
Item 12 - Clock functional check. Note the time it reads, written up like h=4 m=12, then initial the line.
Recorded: h=12 m=4
